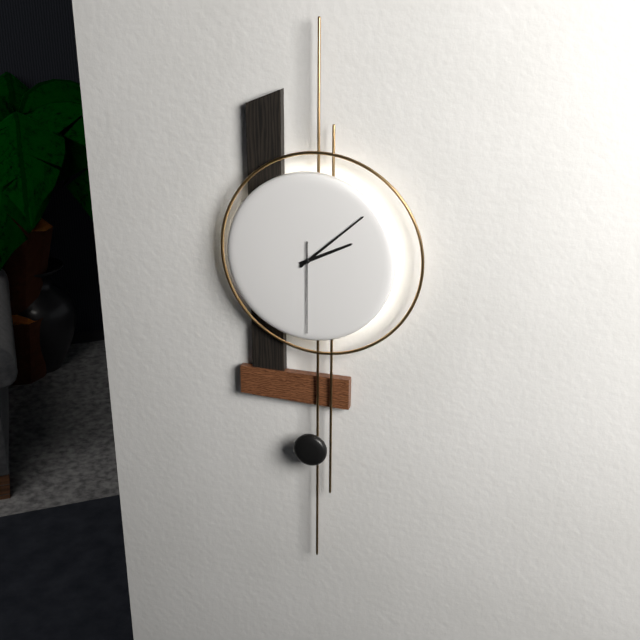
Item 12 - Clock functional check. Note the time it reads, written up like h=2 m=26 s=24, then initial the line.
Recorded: h=2 m=8 s=30
